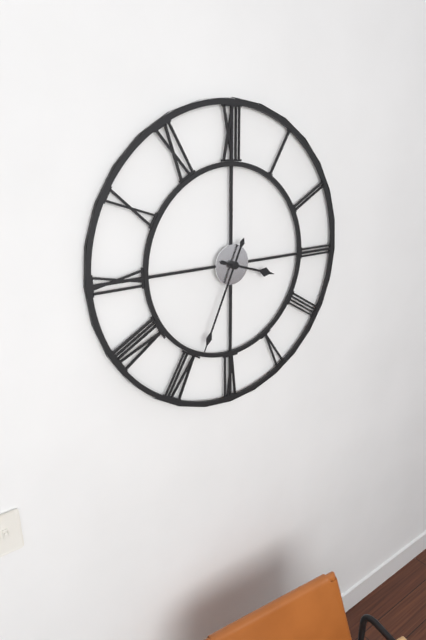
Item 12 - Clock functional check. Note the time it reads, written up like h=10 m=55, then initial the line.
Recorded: h=3 m=34
